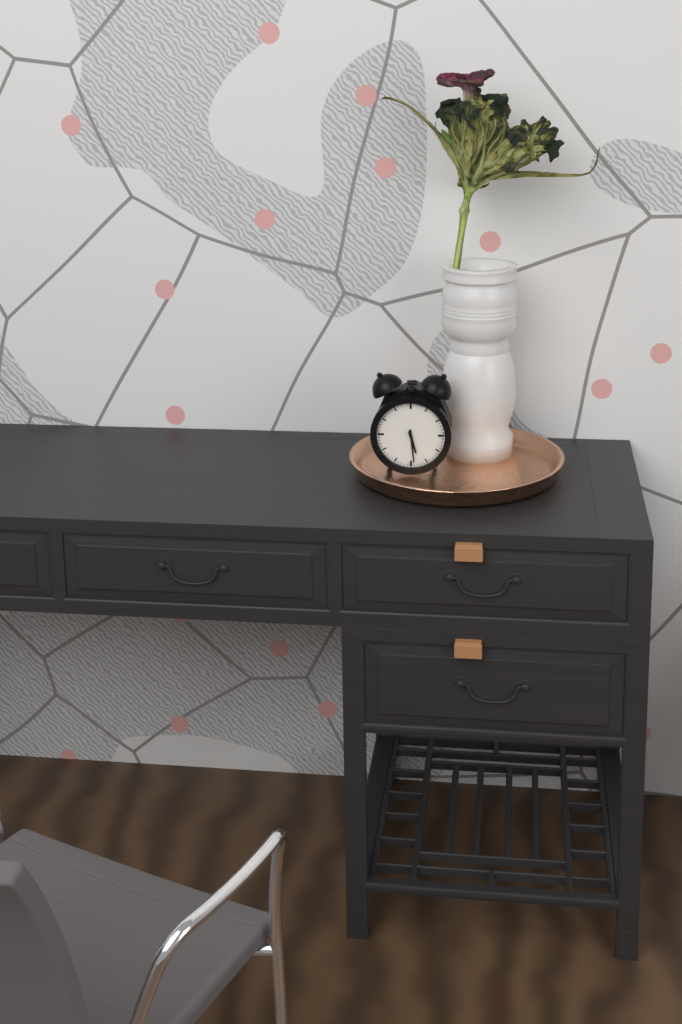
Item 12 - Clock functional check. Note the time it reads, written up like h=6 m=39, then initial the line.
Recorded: h=5 m=29
